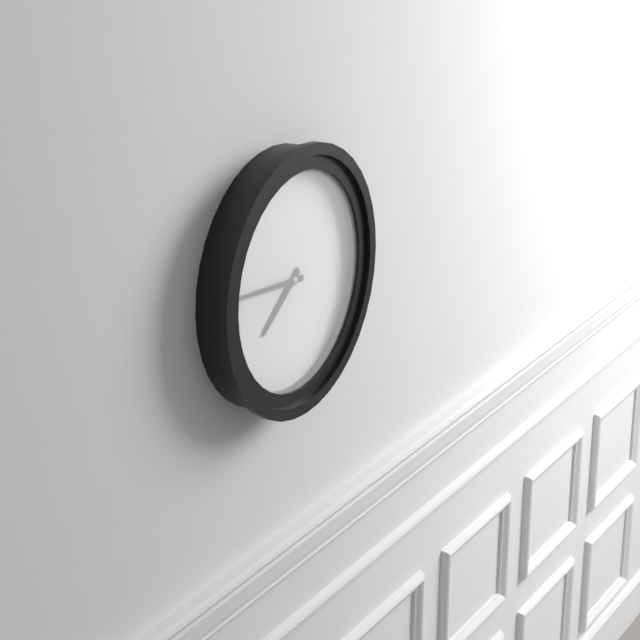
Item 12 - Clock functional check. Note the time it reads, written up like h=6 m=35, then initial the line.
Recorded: h=7 m=46
